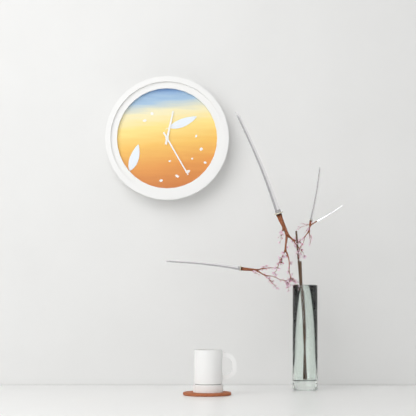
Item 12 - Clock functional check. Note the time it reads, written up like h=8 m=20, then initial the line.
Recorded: h=12 m=25
